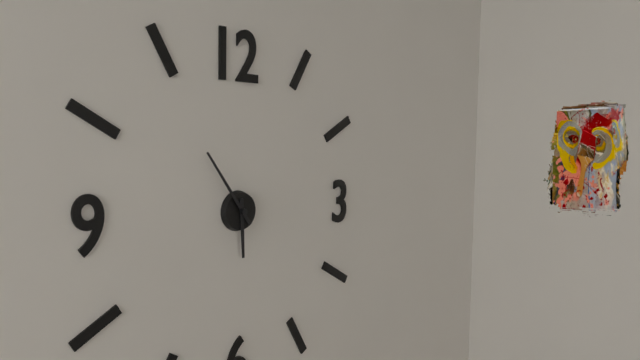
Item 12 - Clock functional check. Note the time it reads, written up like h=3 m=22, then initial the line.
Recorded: h=5 m=54
